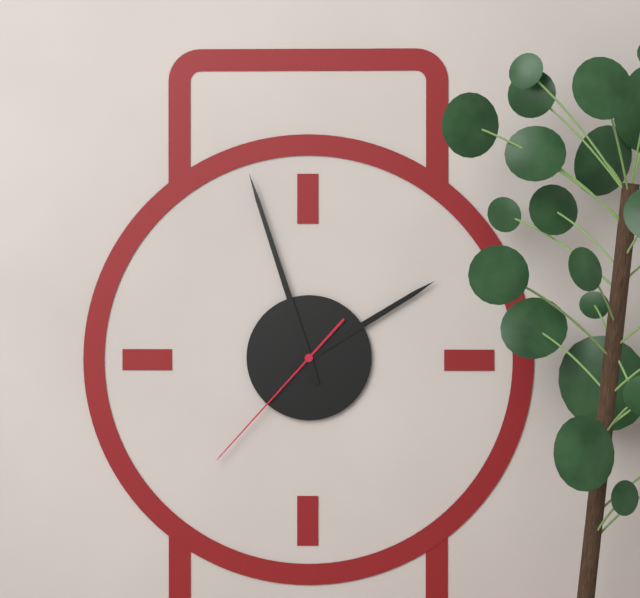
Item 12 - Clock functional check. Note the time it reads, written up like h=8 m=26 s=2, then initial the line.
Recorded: h=1 m=57 s=37
